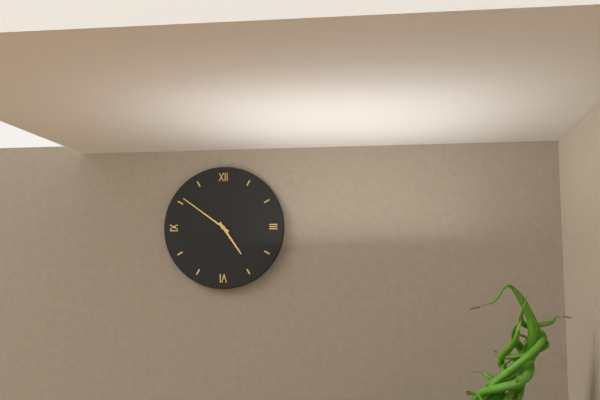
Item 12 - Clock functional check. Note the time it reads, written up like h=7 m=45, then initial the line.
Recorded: h=4 m=51
